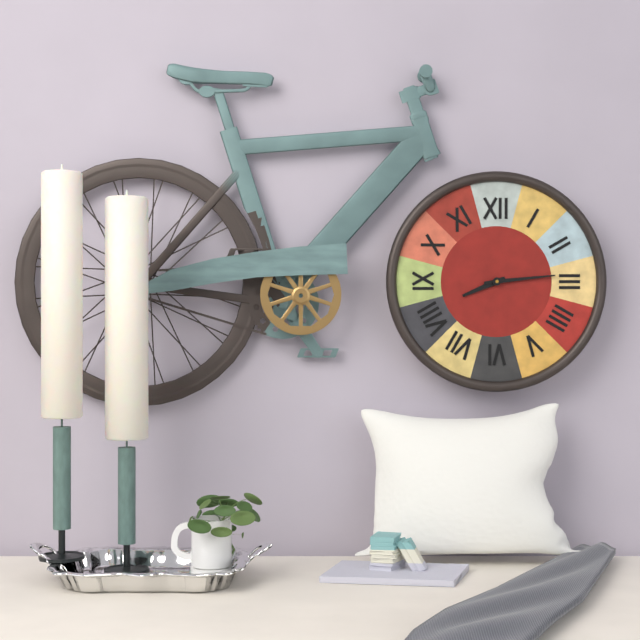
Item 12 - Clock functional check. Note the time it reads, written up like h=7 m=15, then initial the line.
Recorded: h=8 m=14
